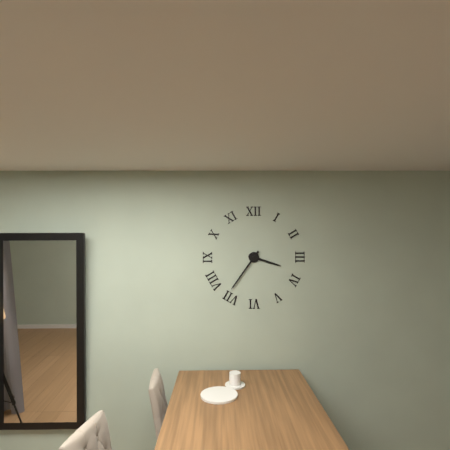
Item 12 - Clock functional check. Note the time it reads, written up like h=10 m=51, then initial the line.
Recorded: h=3 m=36
